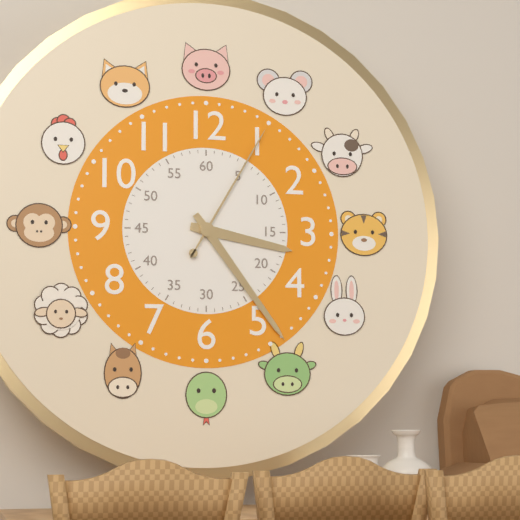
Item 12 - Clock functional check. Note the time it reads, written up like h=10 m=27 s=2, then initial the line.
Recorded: h=3 m=24 s=5
